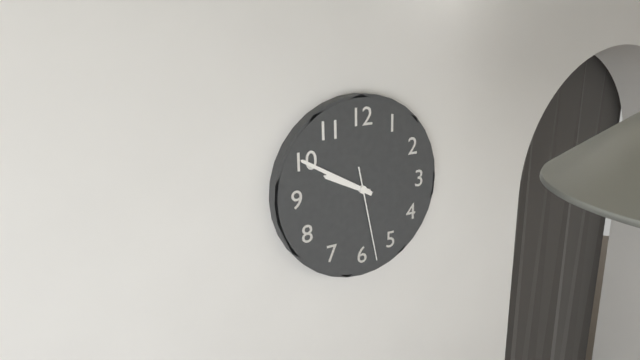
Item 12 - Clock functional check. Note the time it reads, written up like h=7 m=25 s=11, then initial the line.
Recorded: h=9 m=50 s=28
